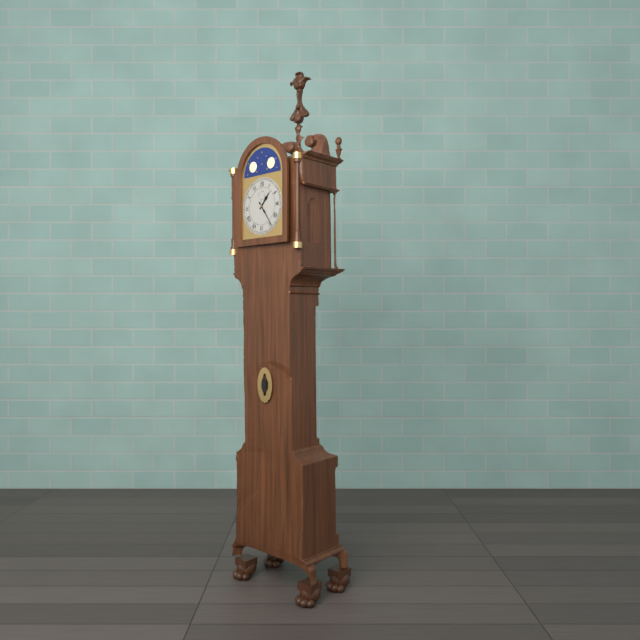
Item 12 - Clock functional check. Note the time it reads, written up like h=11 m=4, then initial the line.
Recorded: h=1 m=24
